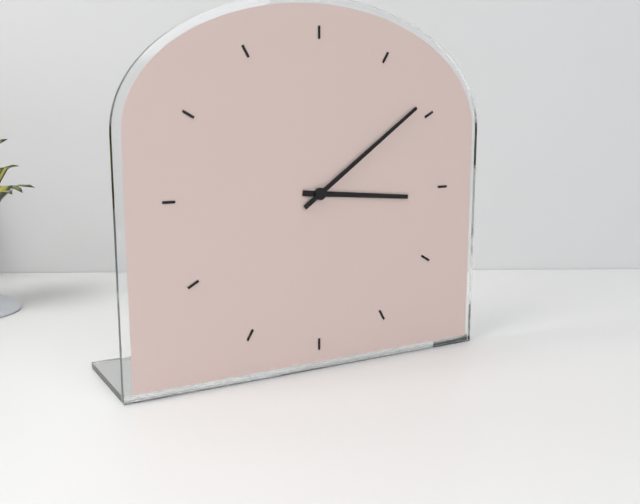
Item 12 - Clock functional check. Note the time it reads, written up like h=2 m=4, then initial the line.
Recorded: h=3 m=9
